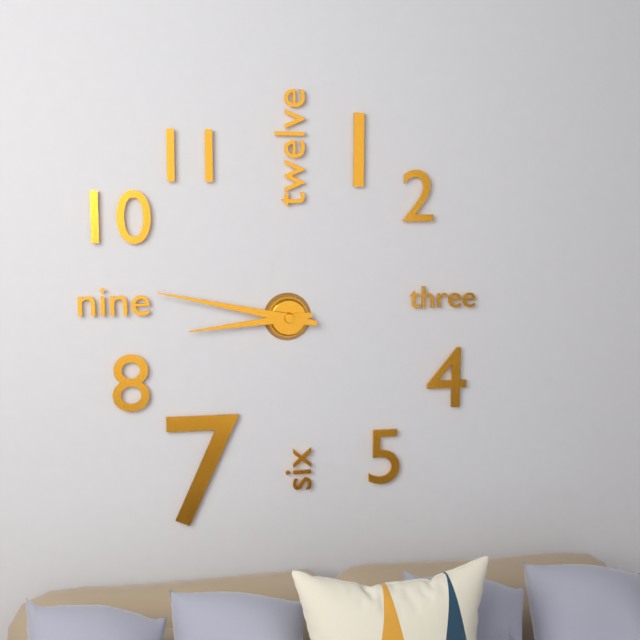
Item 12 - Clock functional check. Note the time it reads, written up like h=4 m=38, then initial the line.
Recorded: h=8 m=47
